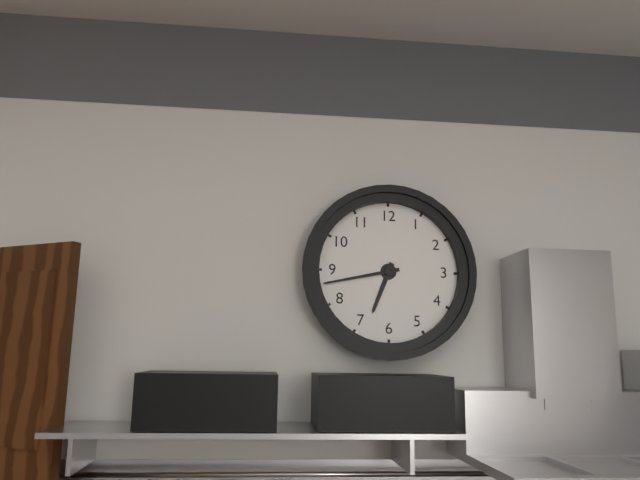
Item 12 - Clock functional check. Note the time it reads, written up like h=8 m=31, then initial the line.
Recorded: h=6 m=43
